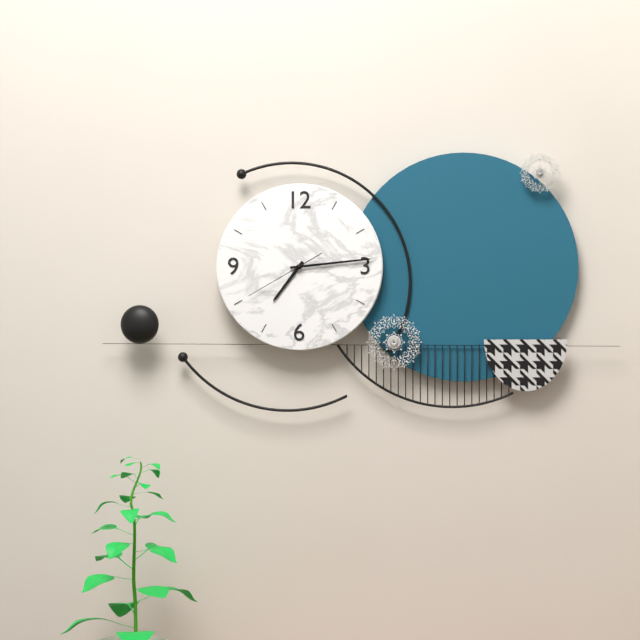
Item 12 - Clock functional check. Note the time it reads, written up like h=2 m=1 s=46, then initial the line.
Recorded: h=7 m=14 s=40
